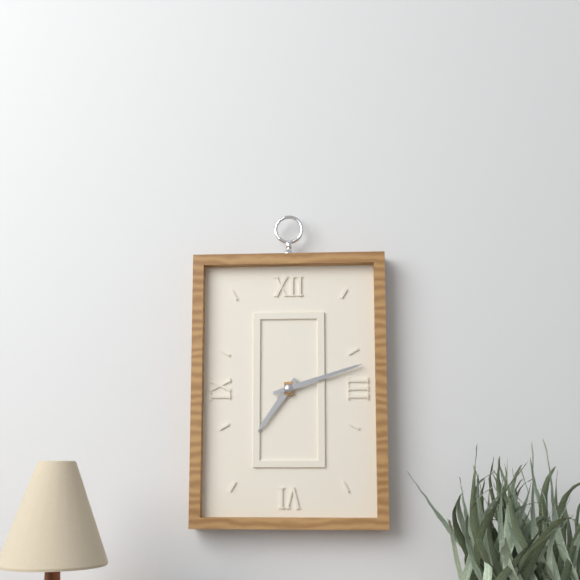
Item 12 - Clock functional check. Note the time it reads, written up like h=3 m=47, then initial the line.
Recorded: h=7 m=12
